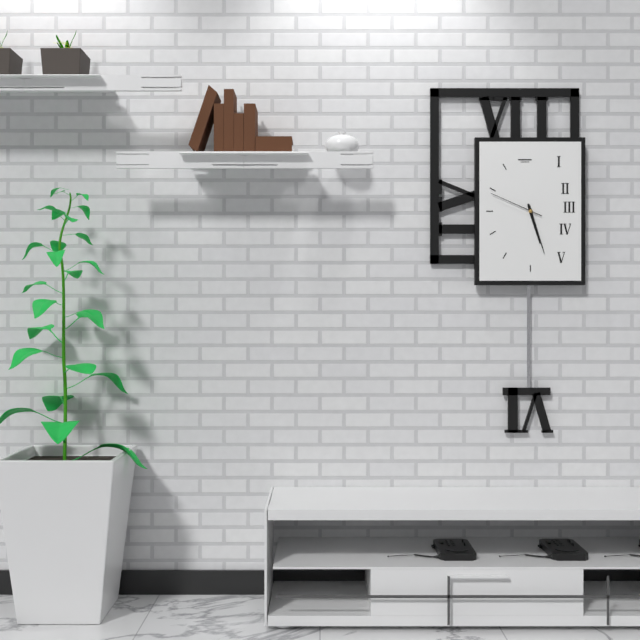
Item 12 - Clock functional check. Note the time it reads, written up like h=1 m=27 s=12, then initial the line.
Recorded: h=5 m=27 s=49
